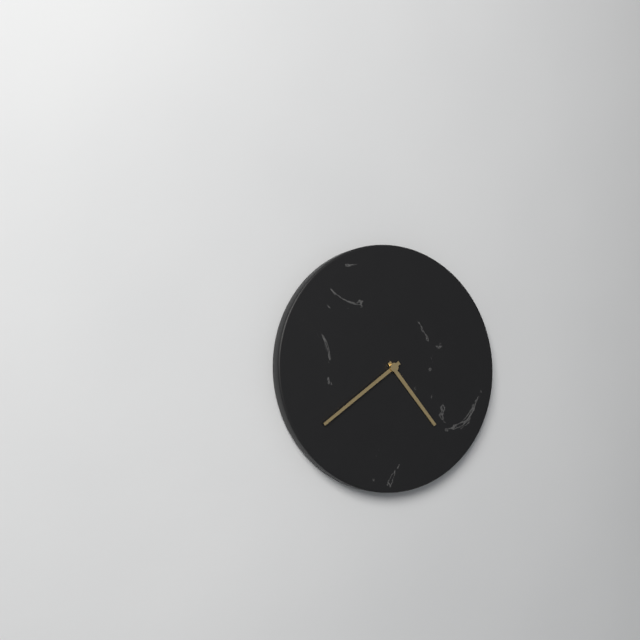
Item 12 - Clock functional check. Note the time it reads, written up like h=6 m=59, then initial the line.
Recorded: h=4 m=39
